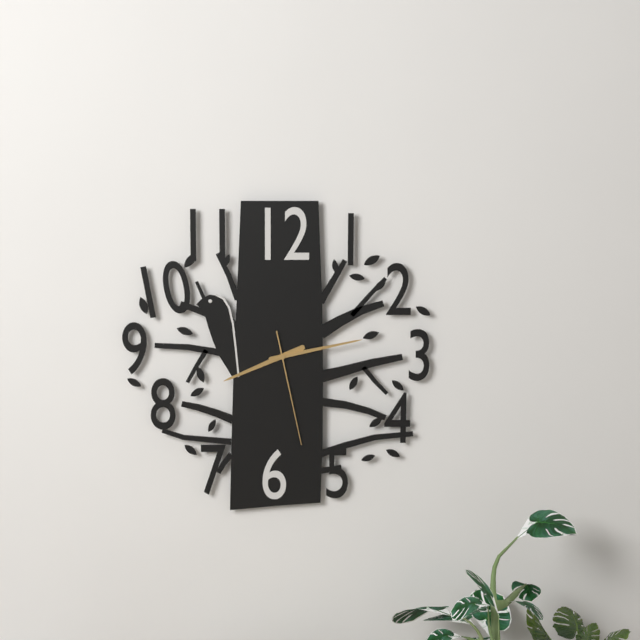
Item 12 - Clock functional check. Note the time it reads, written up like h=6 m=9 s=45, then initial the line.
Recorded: h=8 m=13 s=28
